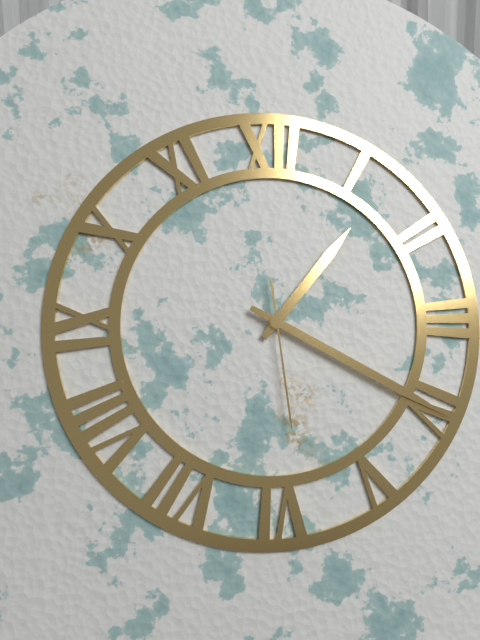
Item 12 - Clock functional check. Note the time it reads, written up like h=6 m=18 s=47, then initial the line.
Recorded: h=1 m=20 s=29
